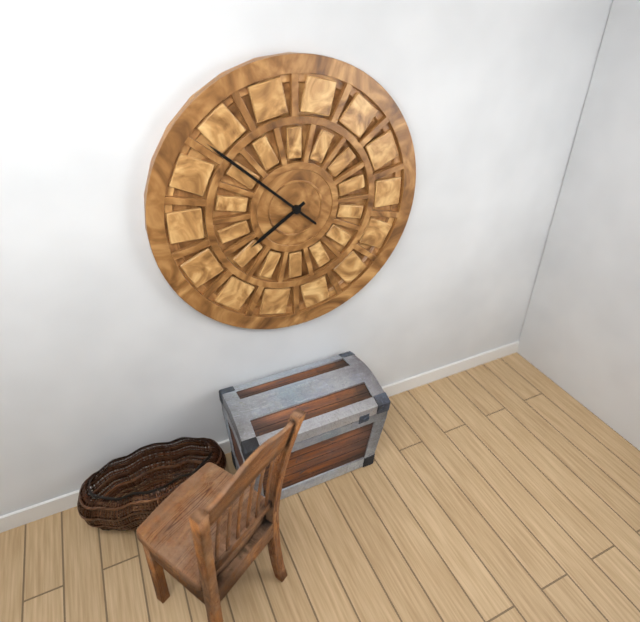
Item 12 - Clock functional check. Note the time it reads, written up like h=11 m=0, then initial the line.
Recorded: h=7 m=52
